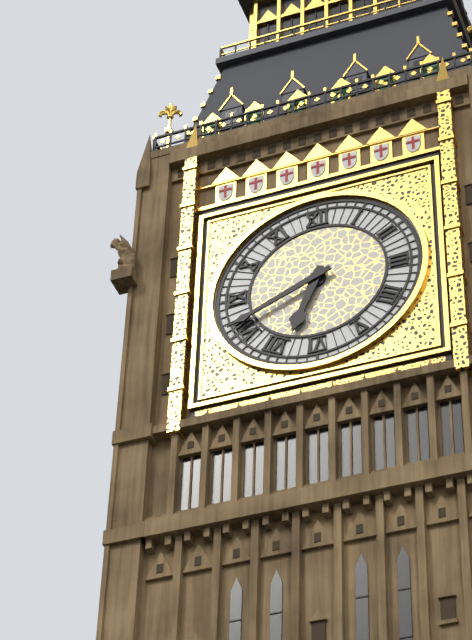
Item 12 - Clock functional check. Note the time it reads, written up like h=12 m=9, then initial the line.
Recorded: h=6 m=41
